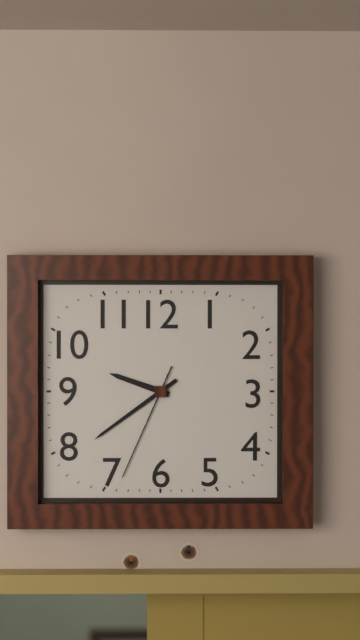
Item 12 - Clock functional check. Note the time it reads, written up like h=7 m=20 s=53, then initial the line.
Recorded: h=9 m=39 s=34
